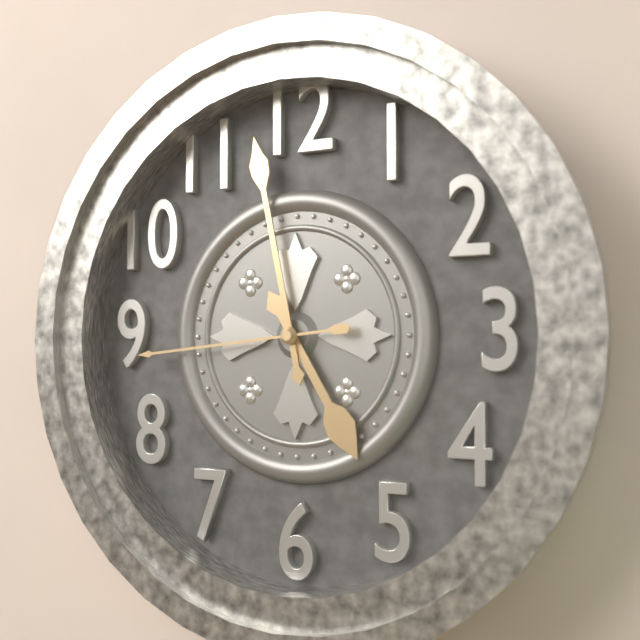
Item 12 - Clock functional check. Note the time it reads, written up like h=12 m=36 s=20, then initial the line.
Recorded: h=4 m=58 s=44
